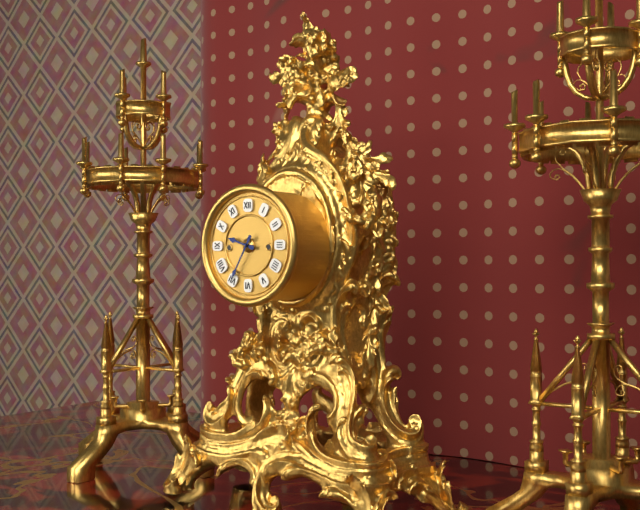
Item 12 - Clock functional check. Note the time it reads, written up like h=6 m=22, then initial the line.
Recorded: h=9 m=35
